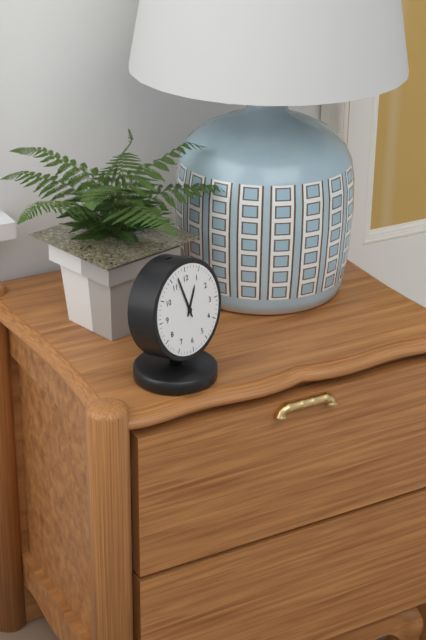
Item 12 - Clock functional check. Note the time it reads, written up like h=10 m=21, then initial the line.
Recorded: h=12 m=57
